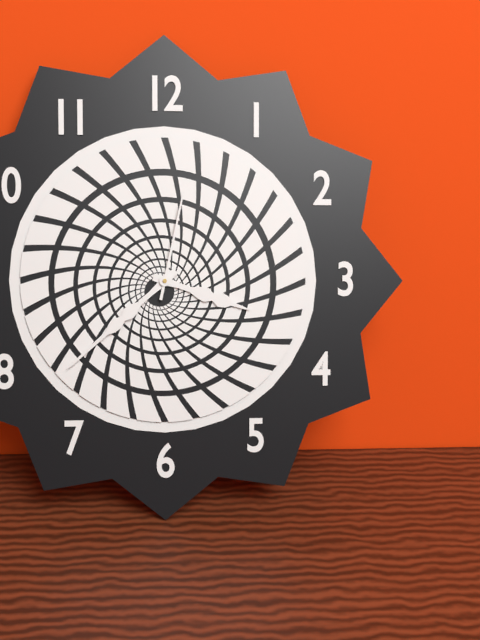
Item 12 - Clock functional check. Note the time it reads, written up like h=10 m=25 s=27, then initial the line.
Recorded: h=3 m=38 s=2
